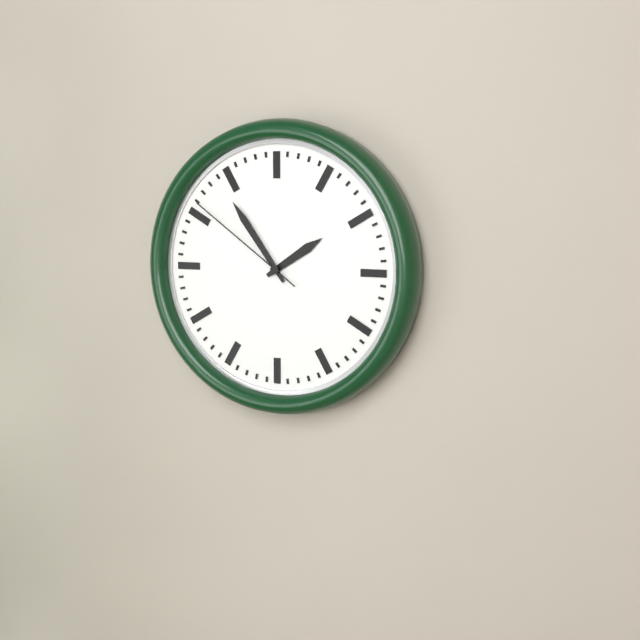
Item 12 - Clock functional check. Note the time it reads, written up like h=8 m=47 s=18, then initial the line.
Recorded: h=1 m=54 s=51
